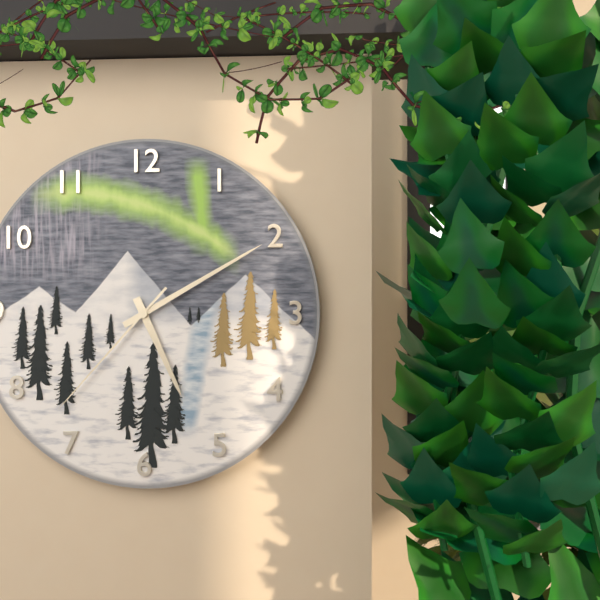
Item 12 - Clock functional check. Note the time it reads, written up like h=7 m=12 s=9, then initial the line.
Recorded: h=5 m=10 s=37
